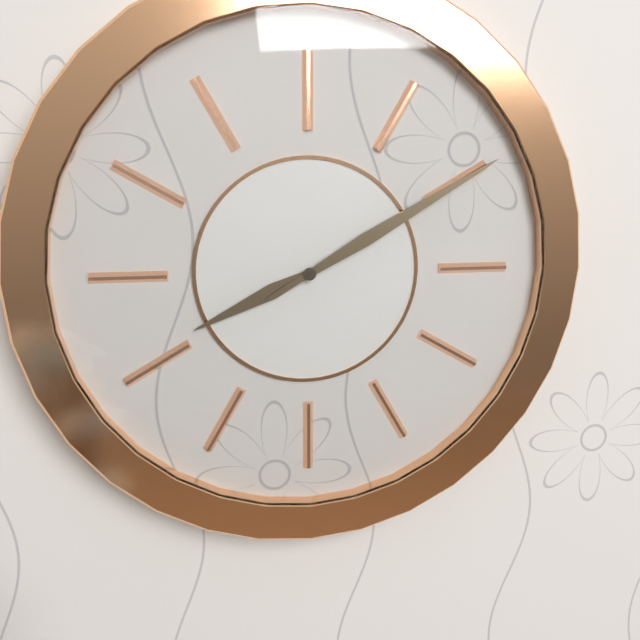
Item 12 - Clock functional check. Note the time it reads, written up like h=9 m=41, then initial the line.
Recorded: h=8 m=10
